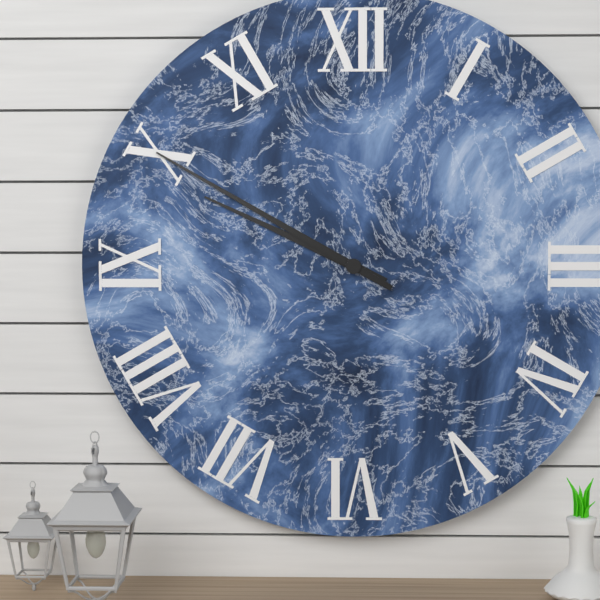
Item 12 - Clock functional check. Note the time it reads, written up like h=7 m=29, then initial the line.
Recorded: h=9 m=50
